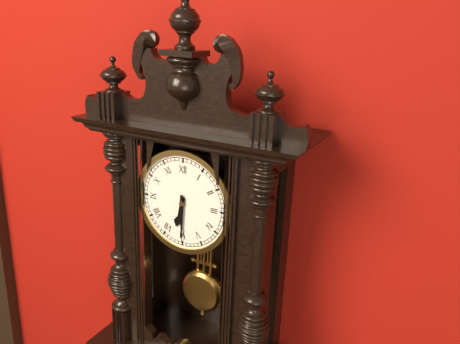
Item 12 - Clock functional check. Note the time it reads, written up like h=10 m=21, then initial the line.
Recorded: h=6 m=30
